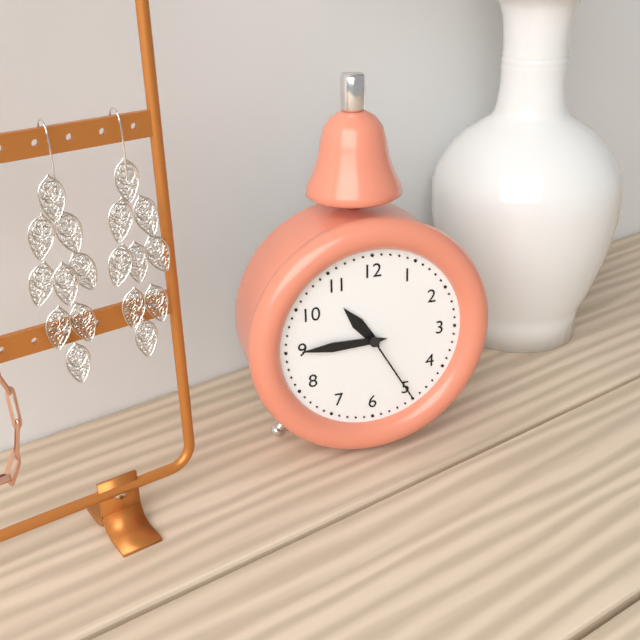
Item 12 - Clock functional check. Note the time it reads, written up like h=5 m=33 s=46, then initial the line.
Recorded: h=10 m=45 s=25
